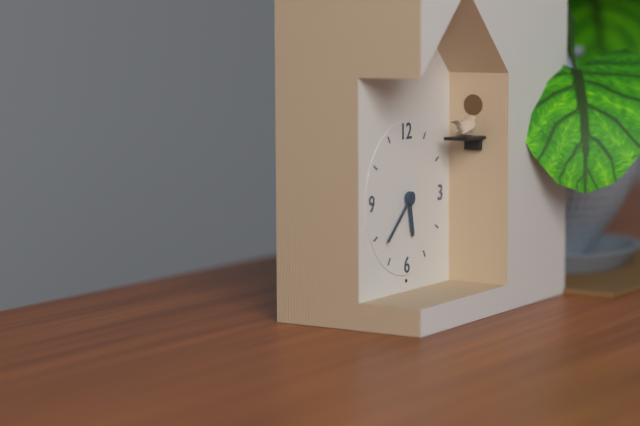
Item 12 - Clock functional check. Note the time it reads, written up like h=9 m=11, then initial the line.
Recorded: h=5 m=38
